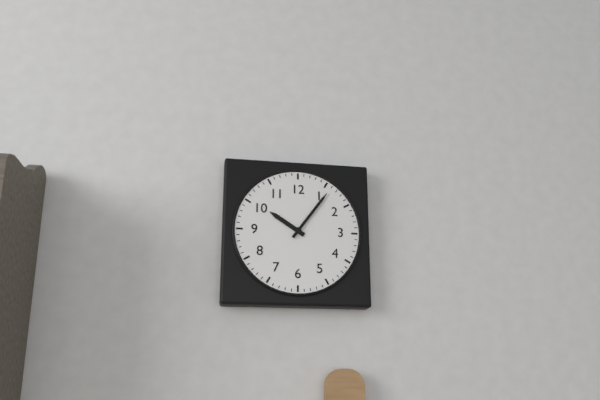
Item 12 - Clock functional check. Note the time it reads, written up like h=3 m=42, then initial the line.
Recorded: h=10 m=6
